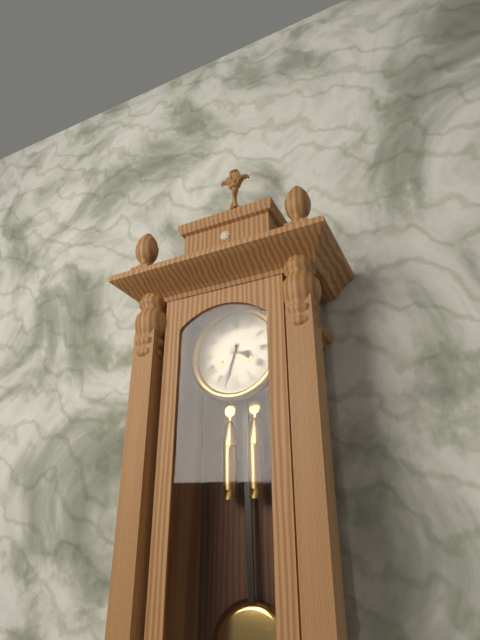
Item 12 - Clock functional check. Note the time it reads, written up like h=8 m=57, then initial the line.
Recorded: h=3 m=33
